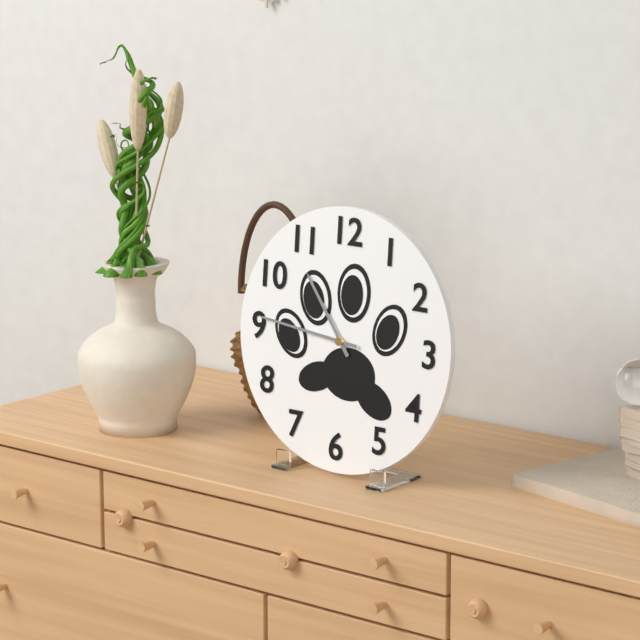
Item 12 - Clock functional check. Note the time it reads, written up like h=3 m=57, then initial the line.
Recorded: h=10 m=46
